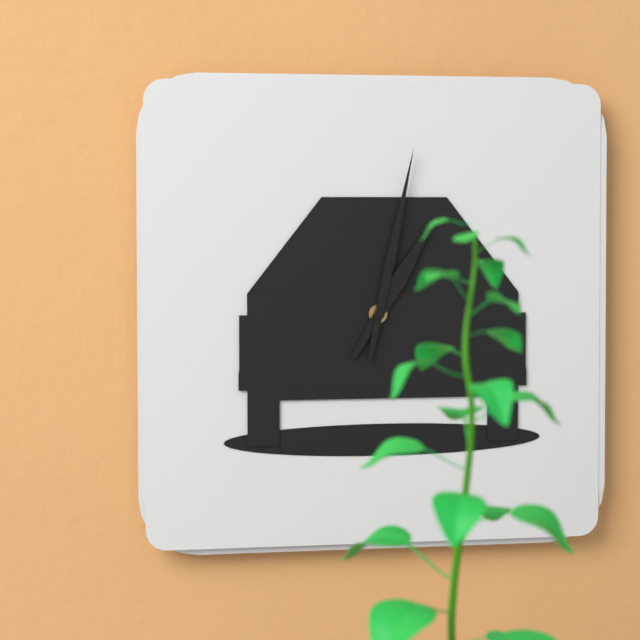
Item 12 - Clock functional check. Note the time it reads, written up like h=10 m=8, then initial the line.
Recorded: h=1 m=2
